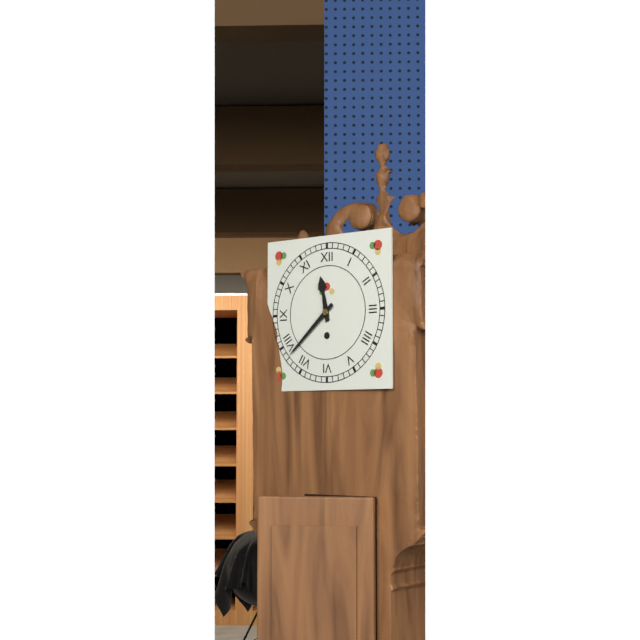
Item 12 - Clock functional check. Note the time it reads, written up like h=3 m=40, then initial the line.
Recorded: h=11 m=38
